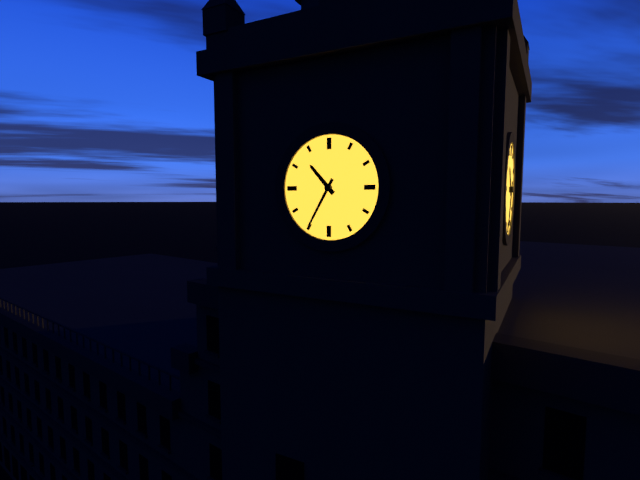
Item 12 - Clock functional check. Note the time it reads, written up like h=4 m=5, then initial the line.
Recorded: h=10 m=35
